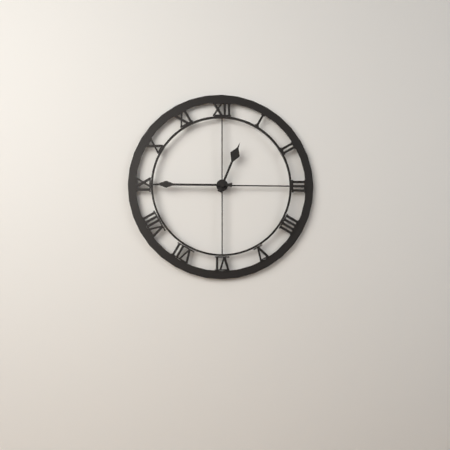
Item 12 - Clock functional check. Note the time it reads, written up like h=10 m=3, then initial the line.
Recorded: h=12 m=45
